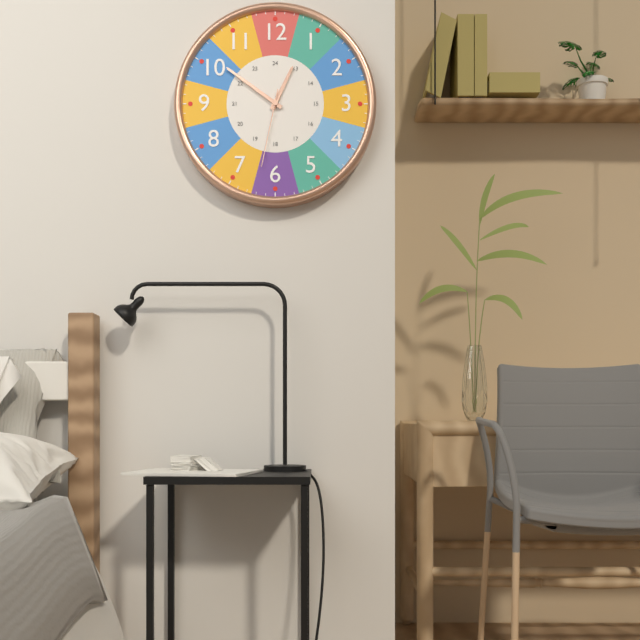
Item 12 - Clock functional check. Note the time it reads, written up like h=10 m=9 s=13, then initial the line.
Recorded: h=12 m=51 s=32
